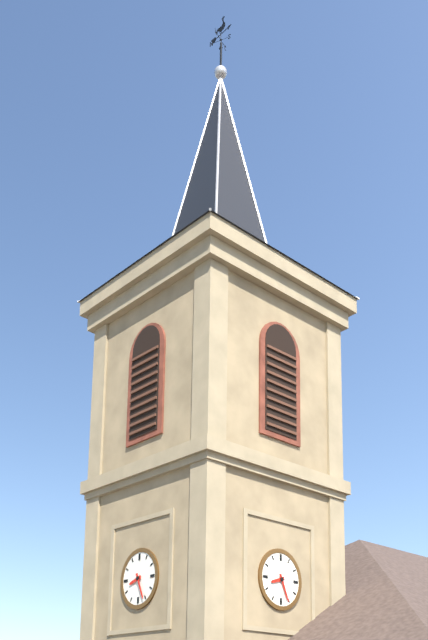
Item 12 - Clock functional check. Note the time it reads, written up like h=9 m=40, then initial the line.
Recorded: h=8 m=26
